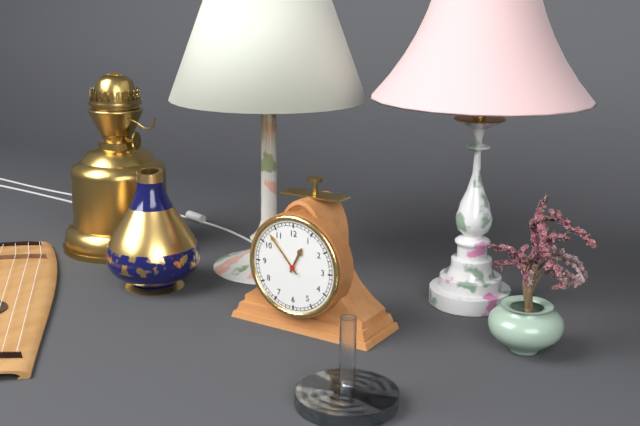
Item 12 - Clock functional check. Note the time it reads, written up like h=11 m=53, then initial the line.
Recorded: h=12 m=53
